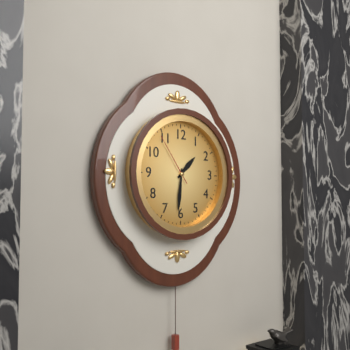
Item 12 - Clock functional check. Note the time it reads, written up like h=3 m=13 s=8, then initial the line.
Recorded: h=1 m=31 s=54
